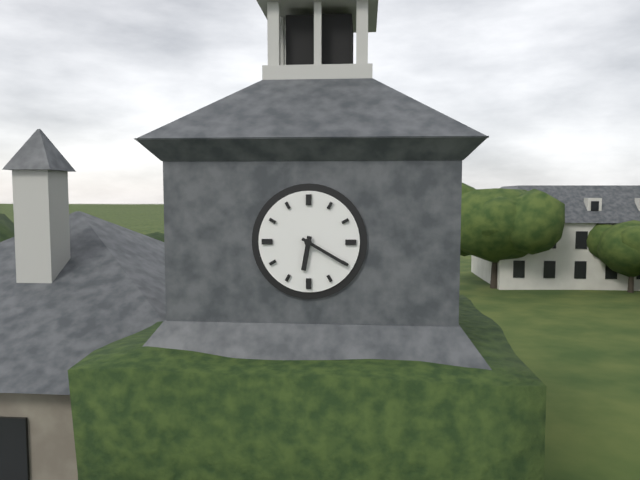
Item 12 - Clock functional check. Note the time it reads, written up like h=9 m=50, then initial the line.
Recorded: h=6 m=20
